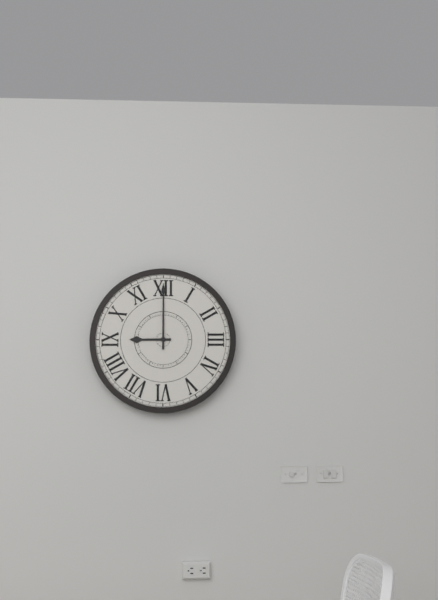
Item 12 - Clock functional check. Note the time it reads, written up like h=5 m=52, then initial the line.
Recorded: h=9 m=0
